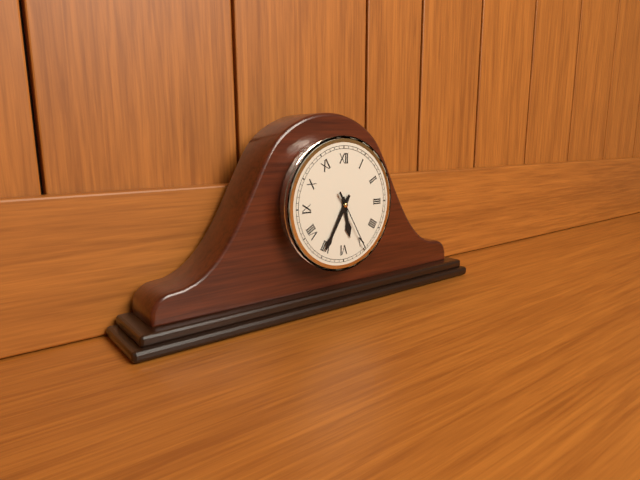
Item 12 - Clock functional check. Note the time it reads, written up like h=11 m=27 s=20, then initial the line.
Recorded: h=5 m=35 s=25
